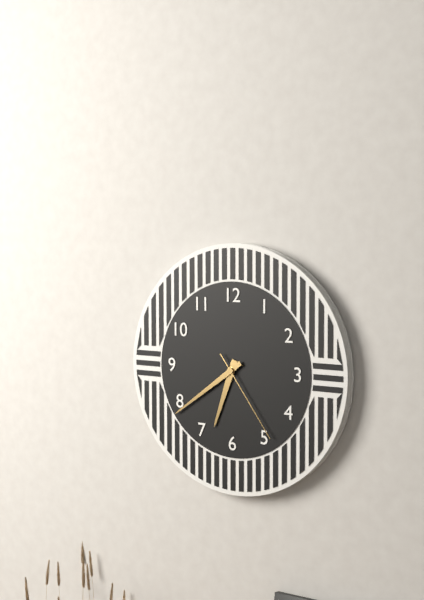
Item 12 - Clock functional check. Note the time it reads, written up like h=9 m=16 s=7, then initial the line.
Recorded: h=6 m=39 s=24
